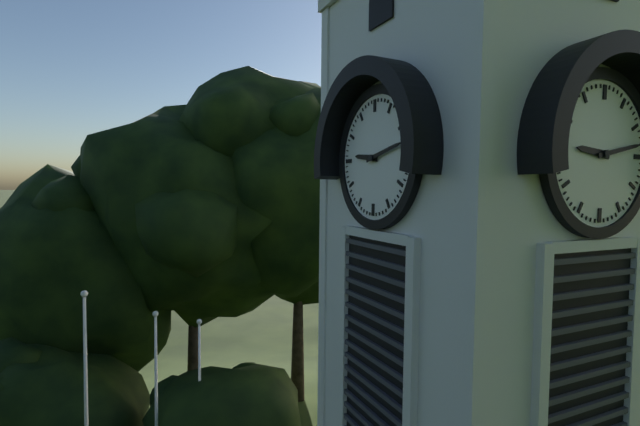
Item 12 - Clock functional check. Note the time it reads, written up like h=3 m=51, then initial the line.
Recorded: h=9 m=13
